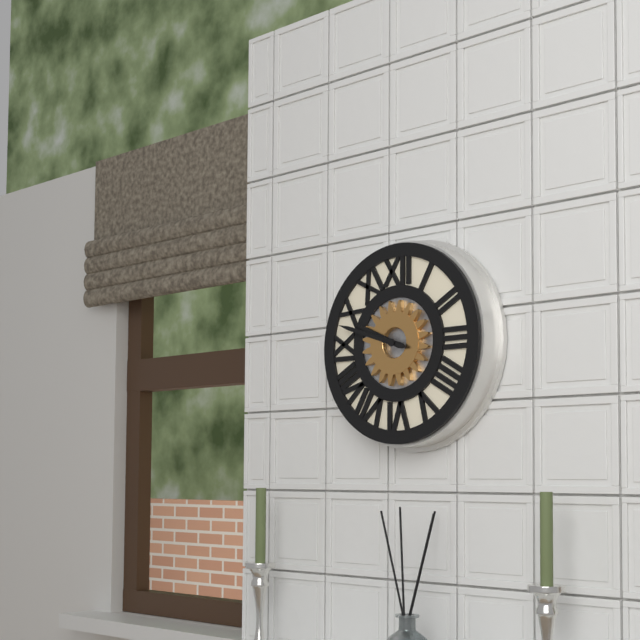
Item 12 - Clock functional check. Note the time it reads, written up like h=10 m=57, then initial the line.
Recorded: h=9 m=48
